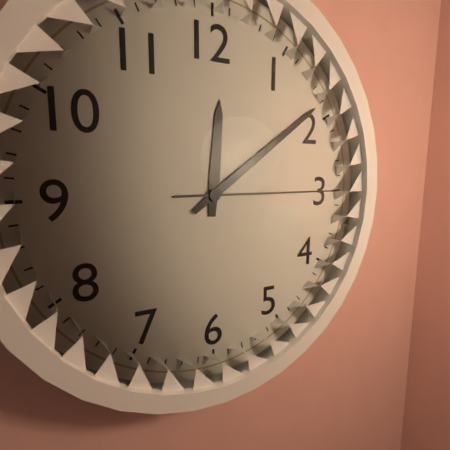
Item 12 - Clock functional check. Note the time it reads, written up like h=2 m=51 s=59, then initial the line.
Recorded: h=12 m=9 s=15
